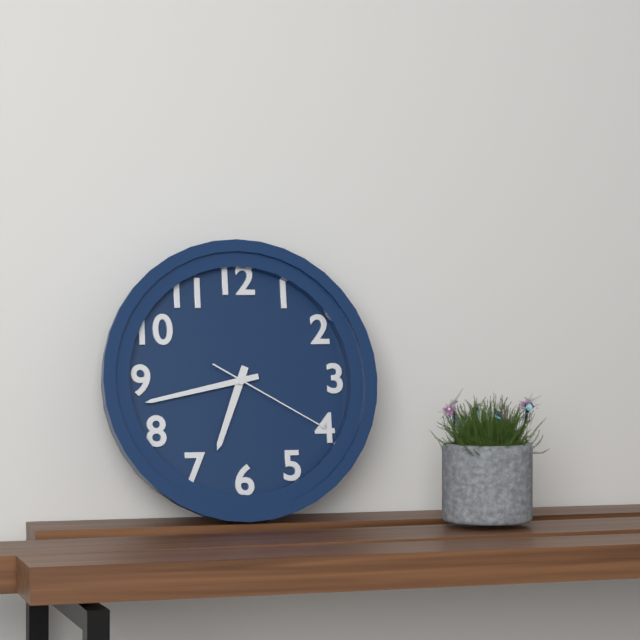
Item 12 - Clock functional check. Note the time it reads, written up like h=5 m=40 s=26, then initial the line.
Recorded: h=6 m=43 s=20
